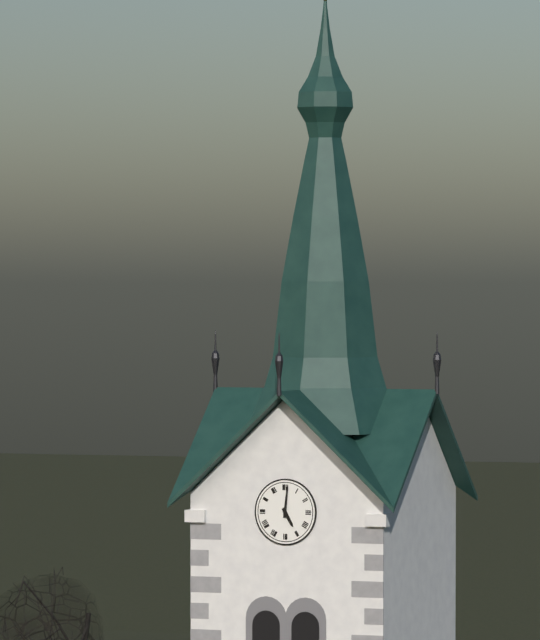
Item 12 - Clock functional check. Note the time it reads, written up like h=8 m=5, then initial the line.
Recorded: h=5 m=1
